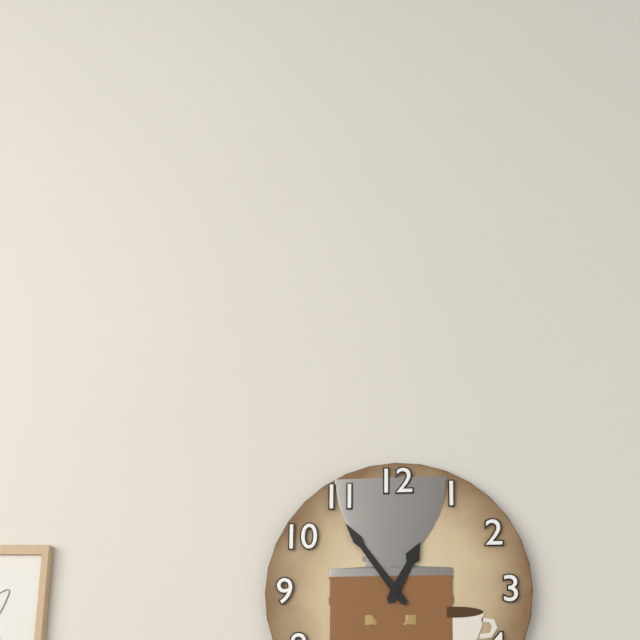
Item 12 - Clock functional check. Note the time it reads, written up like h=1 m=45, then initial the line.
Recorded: h=12 m=54
